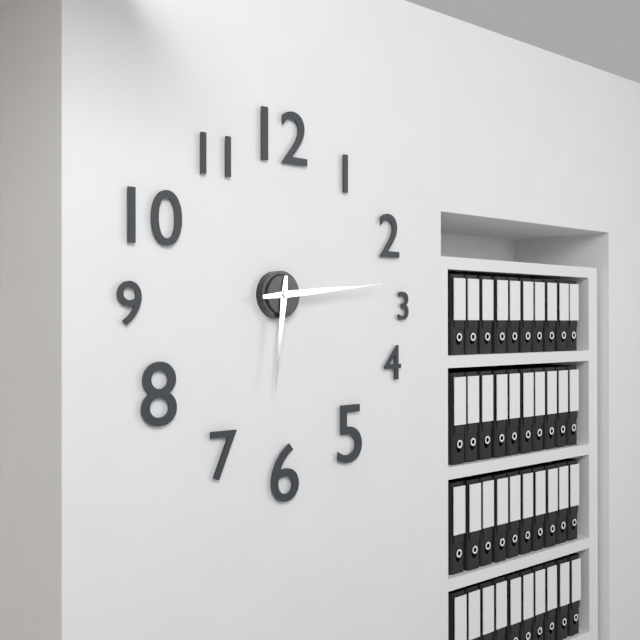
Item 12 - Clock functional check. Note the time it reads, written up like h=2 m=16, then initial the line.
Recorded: h=6 m=14
